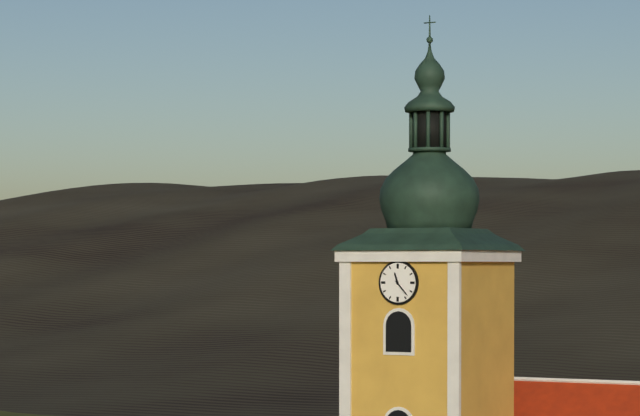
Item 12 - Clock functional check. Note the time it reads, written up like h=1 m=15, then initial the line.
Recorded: h=11 m=23
